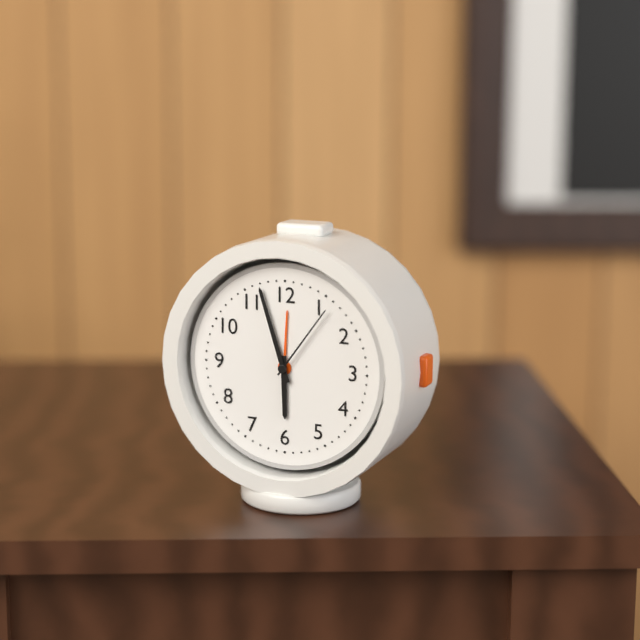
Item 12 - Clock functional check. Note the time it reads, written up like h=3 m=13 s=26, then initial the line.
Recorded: h=5 m=57 s=6
